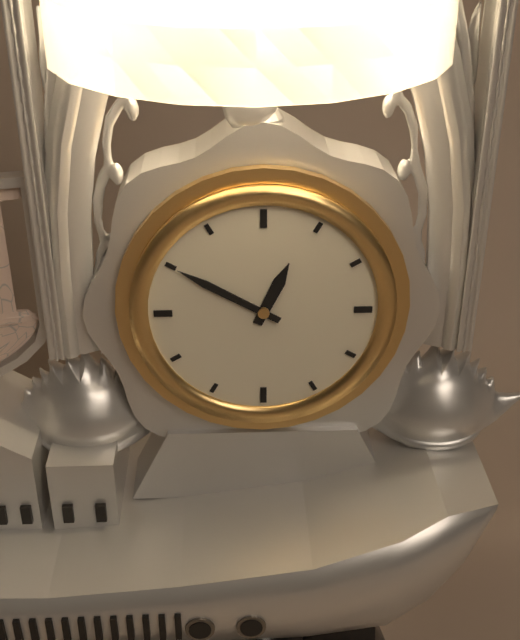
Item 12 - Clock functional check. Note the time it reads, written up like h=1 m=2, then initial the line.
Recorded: h=12 m=50
